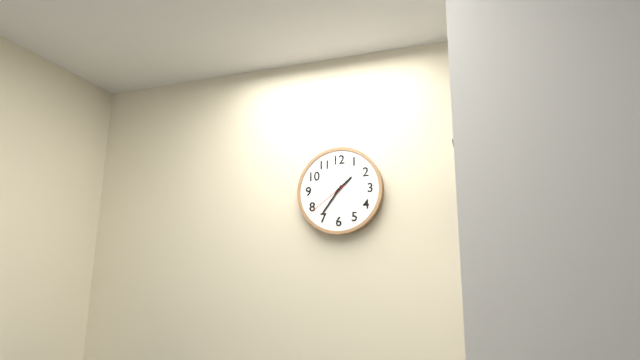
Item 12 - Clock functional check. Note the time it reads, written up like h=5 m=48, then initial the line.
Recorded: h=1 m=36
